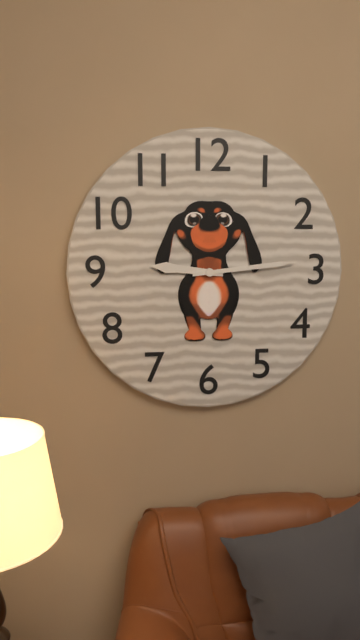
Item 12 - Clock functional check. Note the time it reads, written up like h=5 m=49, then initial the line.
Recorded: h=9 m=14
